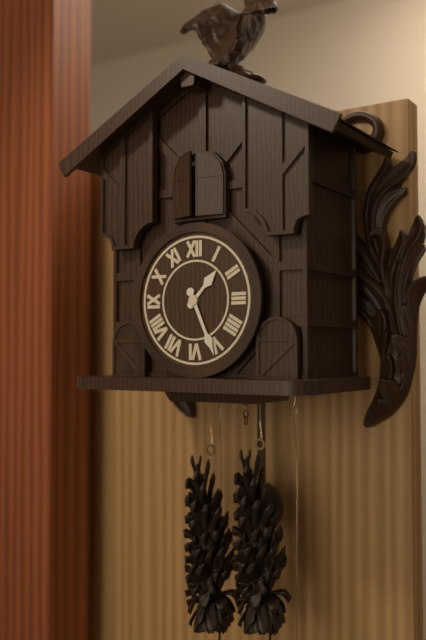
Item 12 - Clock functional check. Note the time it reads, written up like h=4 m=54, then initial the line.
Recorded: h=1 m=26
